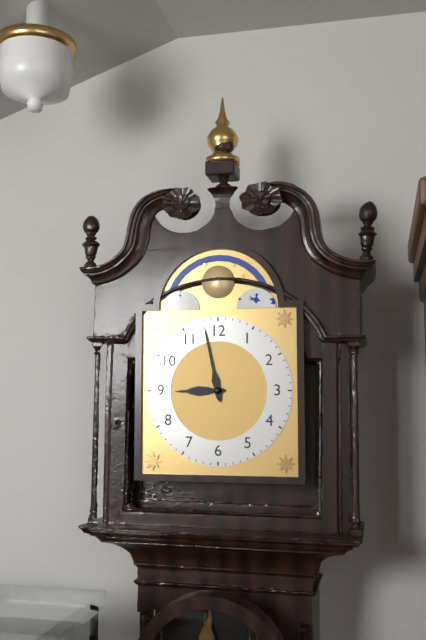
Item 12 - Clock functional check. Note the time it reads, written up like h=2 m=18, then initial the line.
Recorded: h=8 m=58
